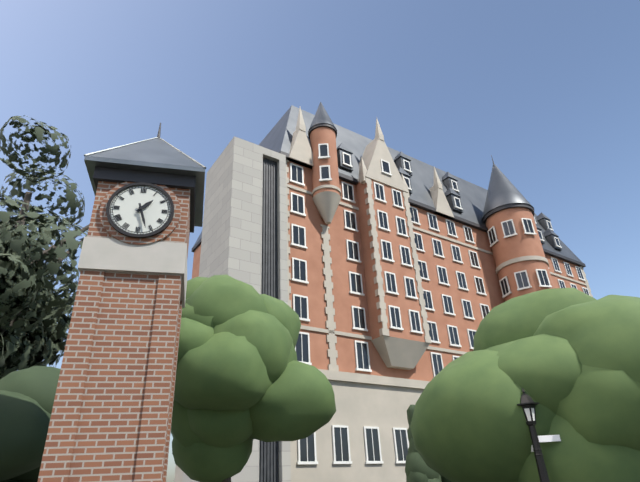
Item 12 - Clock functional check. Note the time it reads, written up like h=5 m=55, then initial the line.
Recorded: h=1 m=27
